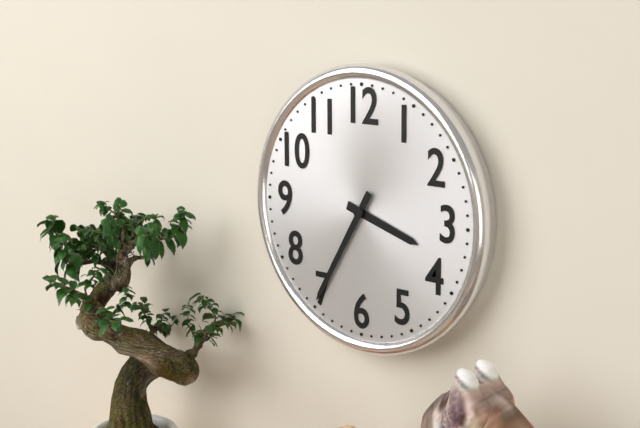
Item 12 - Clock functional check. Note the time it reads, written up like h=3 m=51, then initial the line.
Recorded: h=3 m=35
